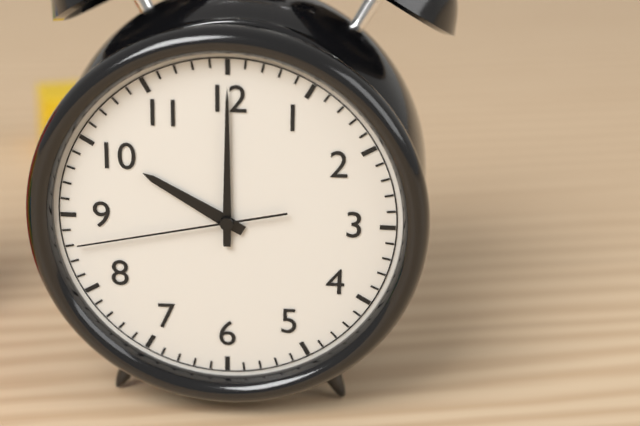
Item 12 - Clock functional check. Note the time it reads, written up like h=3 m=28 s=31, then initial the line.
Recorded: h=10 m=0 s=43
